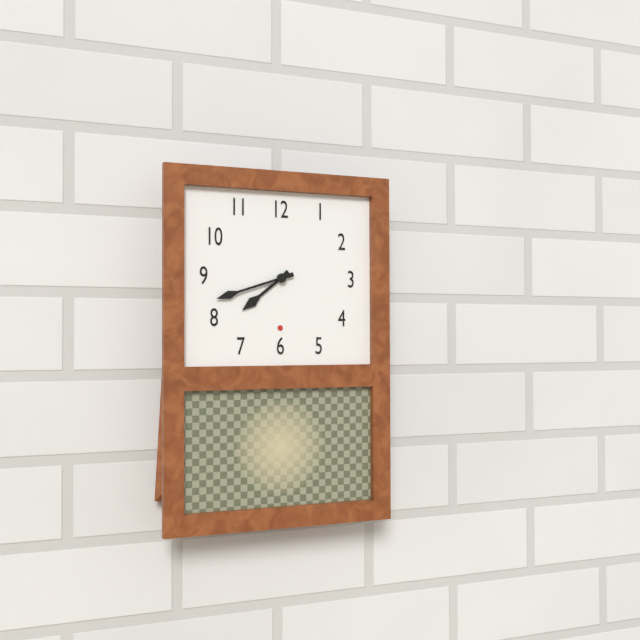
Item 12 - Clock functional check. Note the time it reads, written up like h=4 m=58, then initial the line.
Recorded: h=7 m=42
